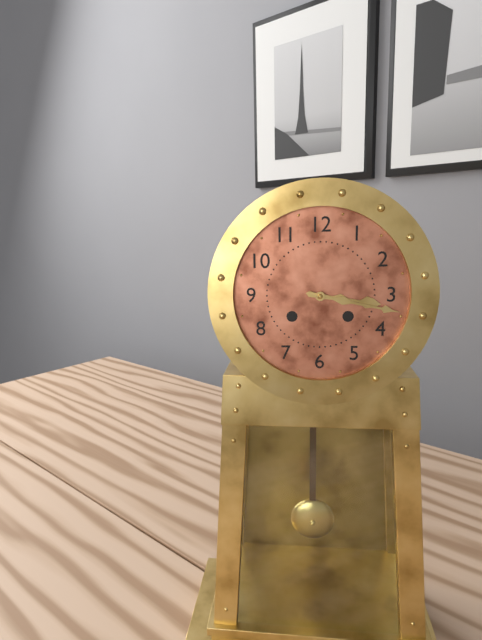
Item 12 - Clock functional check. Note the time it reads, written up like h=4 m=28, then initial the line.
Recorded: h=3 m=17
